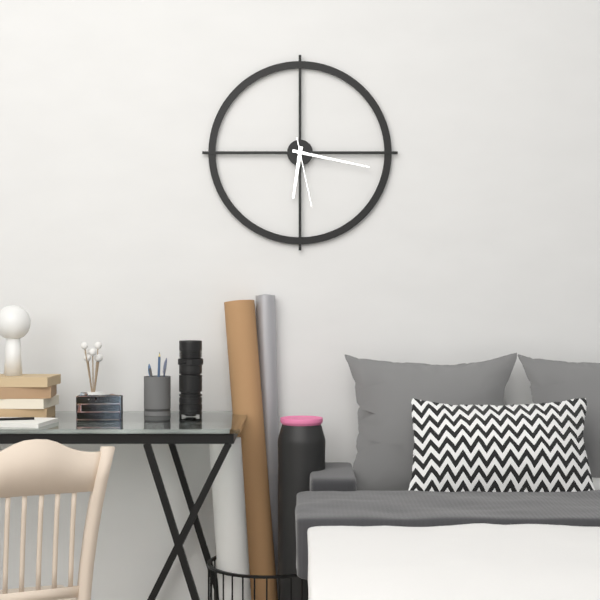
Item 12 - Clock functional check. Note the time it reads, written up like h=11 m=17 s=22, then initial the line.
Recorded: h=6 m=17 s=28
